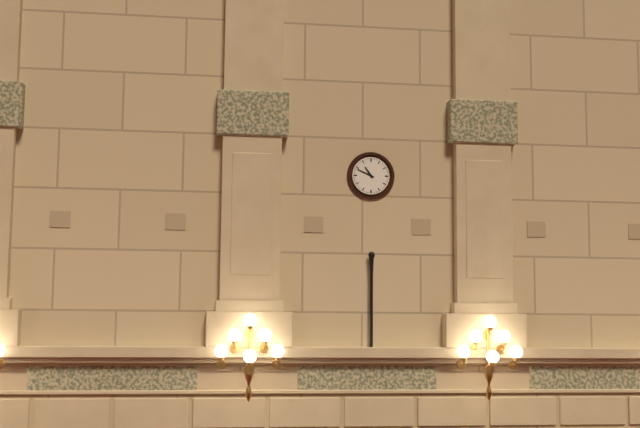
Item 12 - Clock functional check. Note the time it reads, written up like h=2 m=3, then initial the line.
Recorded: h=10 m=49
